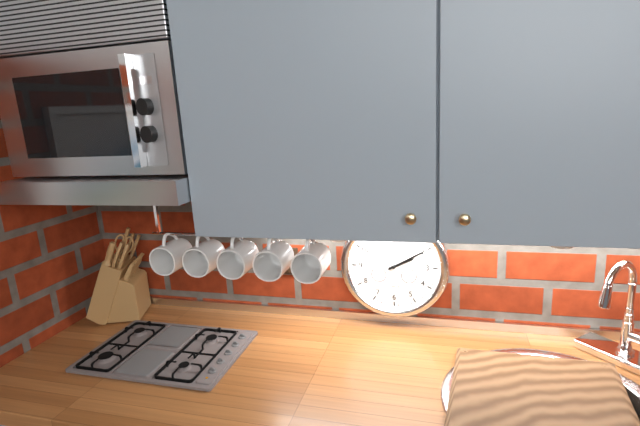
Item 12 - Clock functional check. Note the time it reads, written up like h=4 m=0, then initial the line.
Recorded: h=2 m=10
